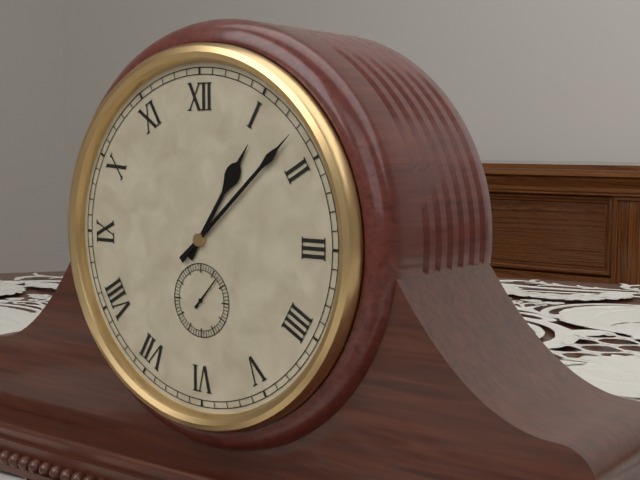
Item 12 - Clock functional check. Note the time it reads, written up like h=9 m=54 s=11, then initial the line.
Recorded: h=1 m=8 s=7
